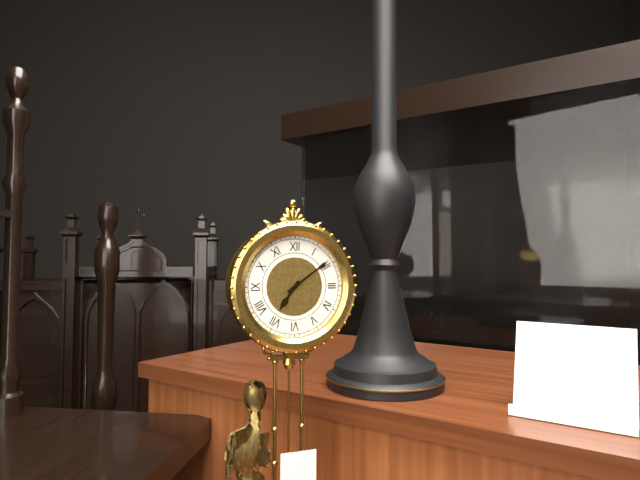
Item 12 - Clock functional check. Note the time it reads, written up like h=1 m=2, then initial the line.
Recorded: h=7 m=9
